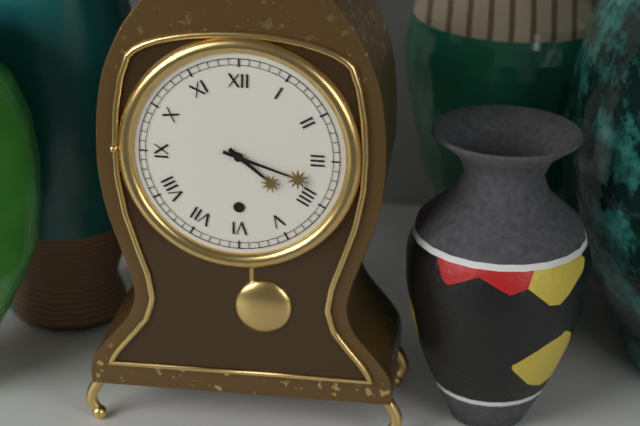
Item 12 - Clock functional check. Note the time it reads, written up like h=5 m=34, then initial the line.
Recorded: h=4 m=18
